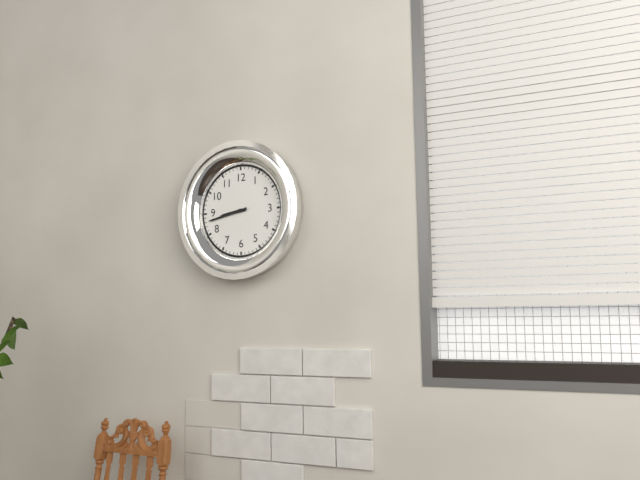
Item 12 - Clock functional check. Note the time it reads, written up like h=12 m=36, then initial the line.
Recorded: h=8 m=43
